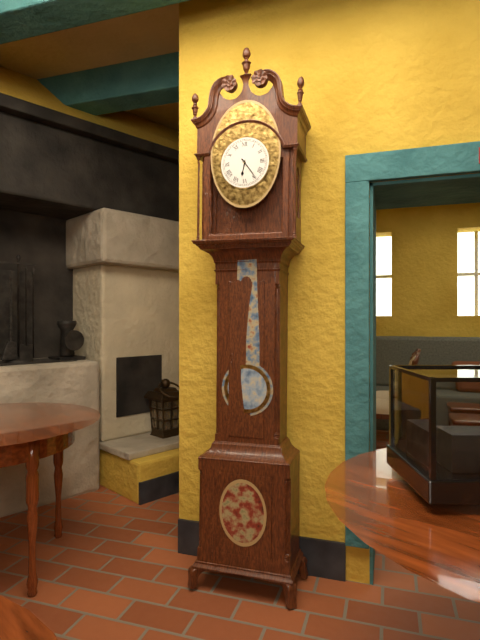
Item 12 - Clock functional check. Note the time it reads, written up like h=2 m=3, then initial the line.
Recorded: h=6 m=24
